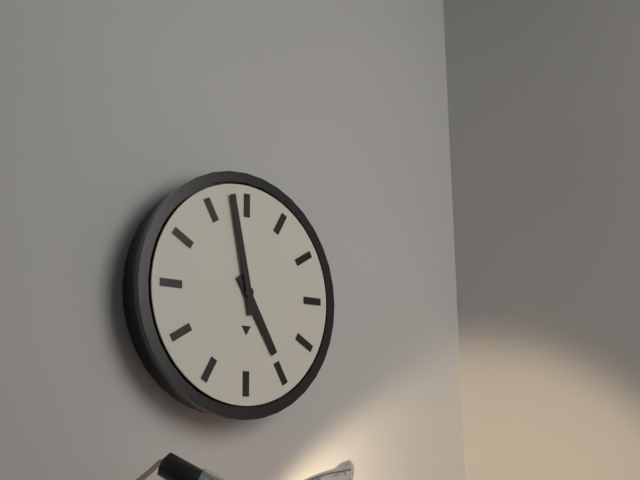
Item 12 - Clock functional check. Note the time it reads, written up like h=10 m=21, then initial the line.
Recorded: h=4 m=58
